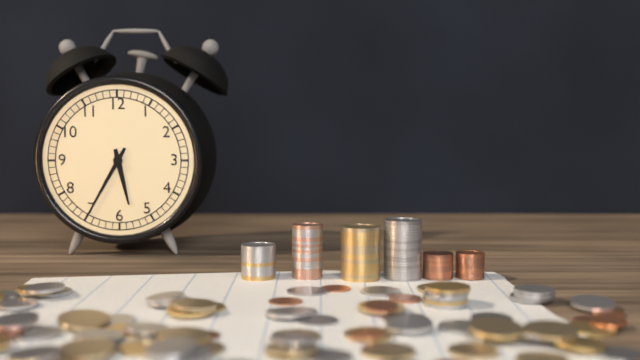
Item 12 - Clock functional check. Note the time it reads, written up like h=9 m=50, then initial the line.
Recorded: h=5 m=35
